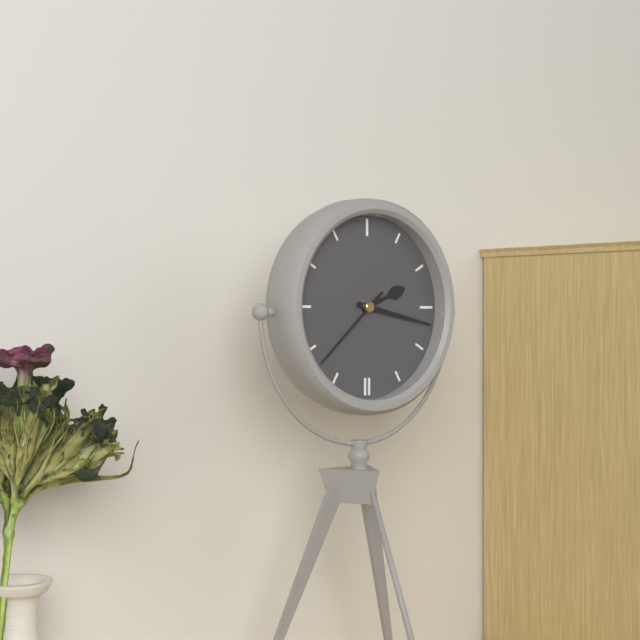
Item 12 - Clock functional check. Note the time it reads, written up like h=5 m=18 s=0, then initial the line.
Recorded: h=2 m=17 s=38
